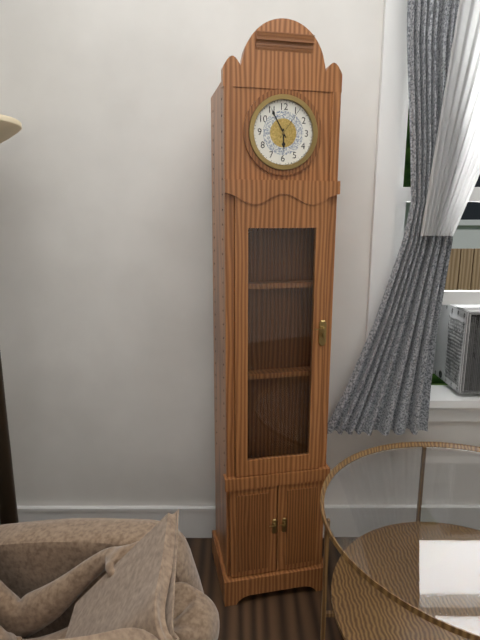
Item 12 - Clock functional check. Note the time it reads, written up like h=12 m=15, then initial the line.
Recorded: h=5 m=55
